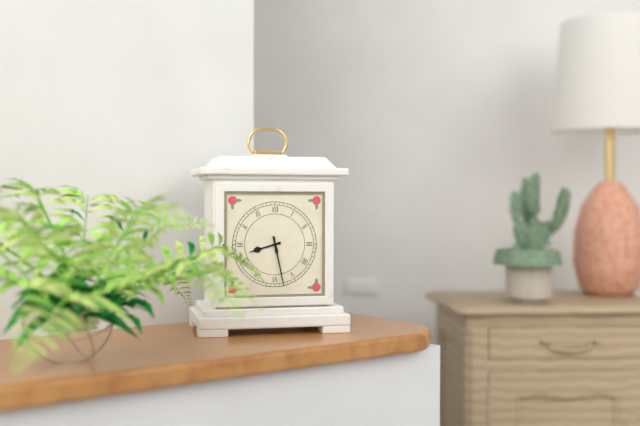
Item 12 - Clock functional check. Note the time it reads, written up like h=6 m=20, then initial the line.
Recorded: h=8 m=28
